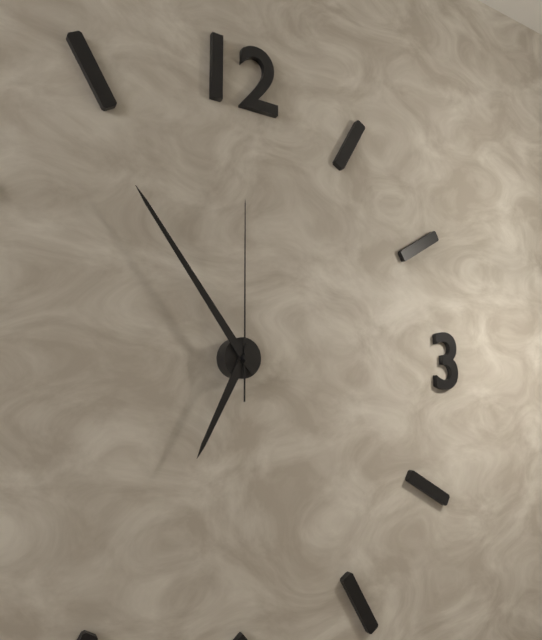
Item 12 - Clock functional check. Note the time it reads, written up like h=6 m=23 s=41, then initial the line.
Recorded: h=6 m=54 s=0
